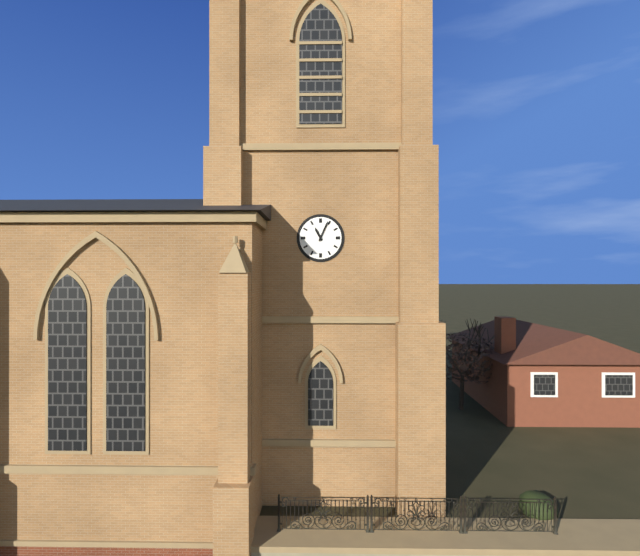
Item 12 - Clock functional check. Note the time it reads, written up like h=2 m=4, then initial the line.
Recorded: h=11 m=4
